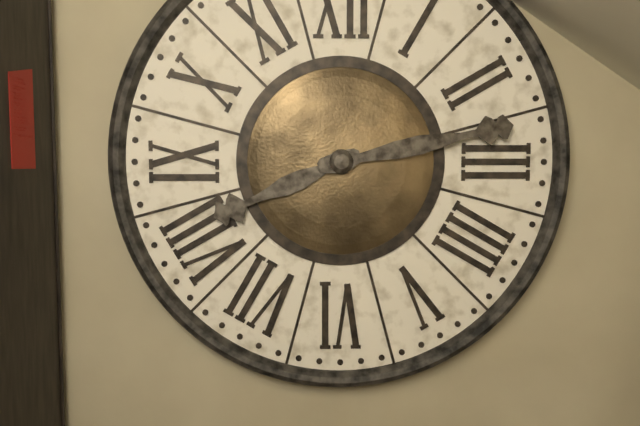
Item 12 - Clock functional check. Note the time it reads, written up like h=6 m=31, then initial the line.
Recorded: h=8 m=13
